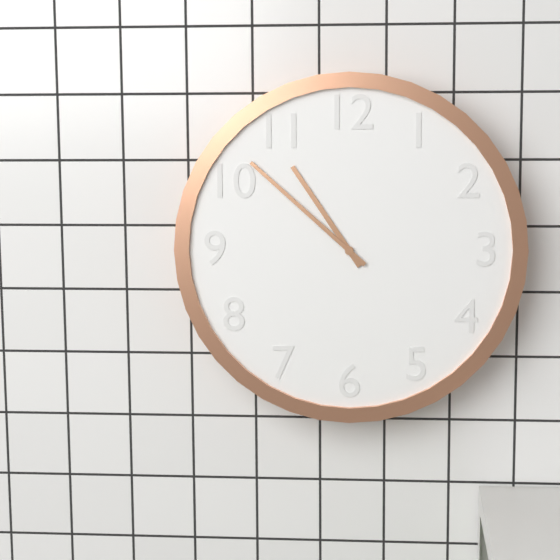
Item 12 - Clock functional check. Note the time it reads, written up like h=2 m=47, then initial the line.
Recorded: h=10 m=52
